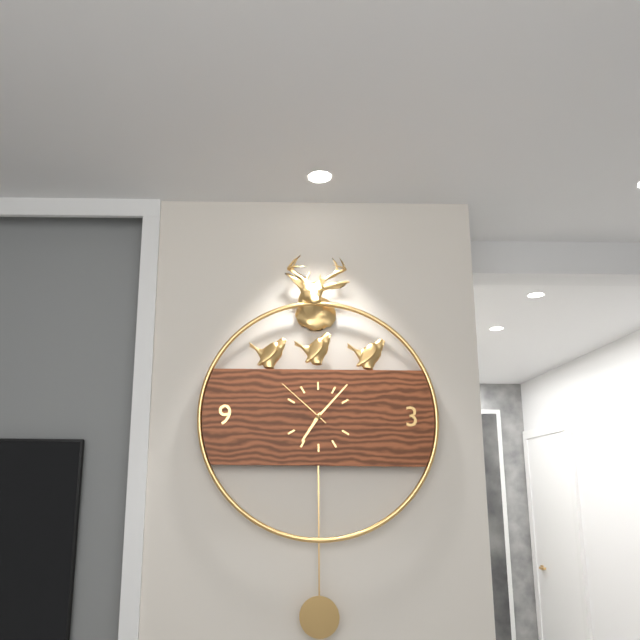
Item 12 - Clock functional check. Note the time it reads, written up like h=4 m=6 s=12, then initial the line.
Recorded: h=7 m=7 s=52
